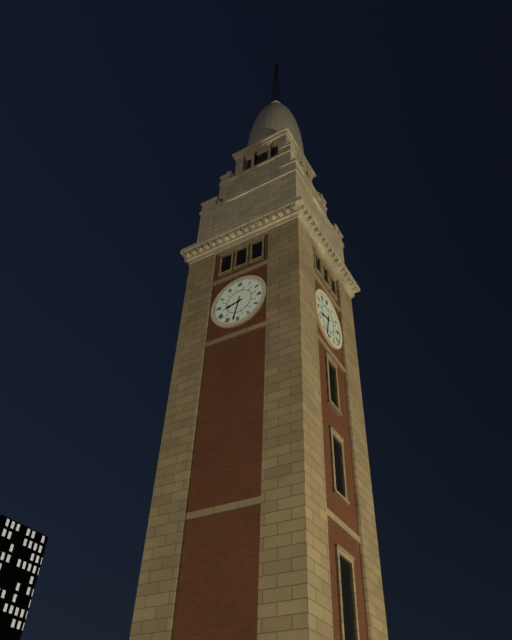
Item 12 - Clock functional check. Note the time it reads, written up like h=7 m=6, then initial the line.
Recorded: h=8 m=32
